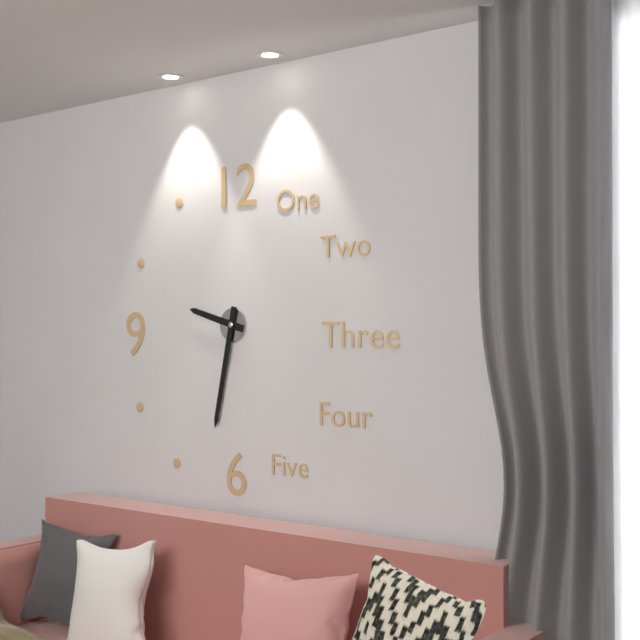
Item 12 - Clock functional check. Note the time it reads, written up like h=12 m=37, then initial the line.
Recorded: h=9 m=32
